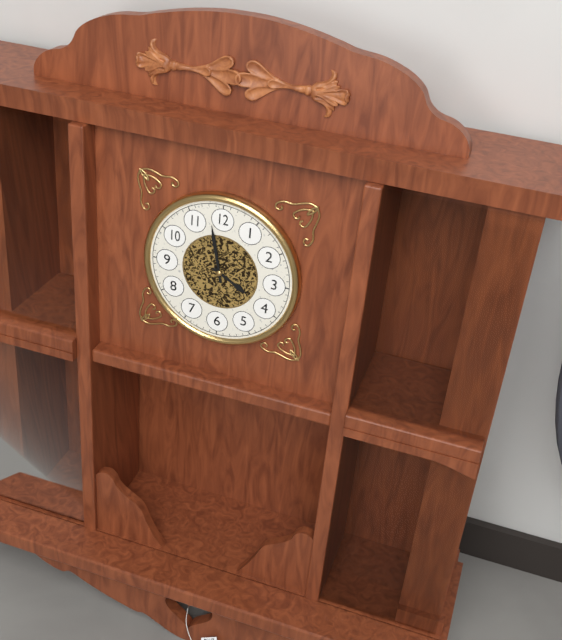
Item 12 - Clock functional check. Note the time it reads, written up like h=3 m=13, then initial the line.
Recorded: h=3 m=58
